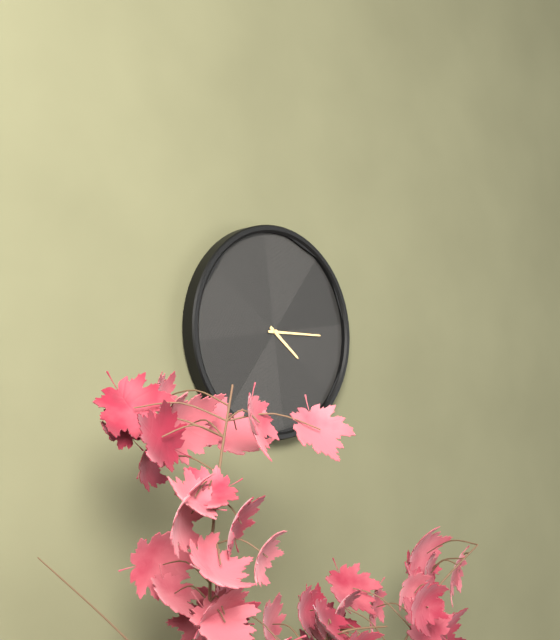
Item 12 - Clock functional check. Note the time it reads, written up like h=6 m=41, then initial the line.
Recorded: h=4 m=15
